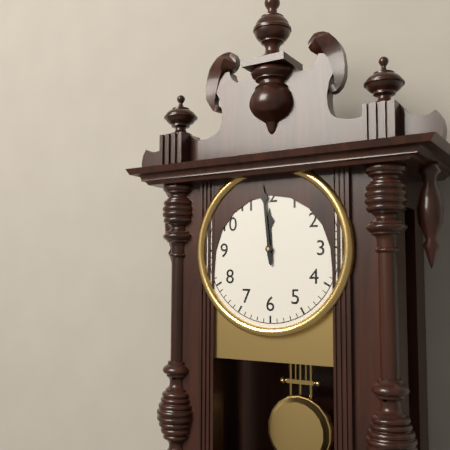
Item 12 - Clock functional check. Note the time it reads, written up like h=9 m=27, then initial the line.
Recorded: h=11 m=59
